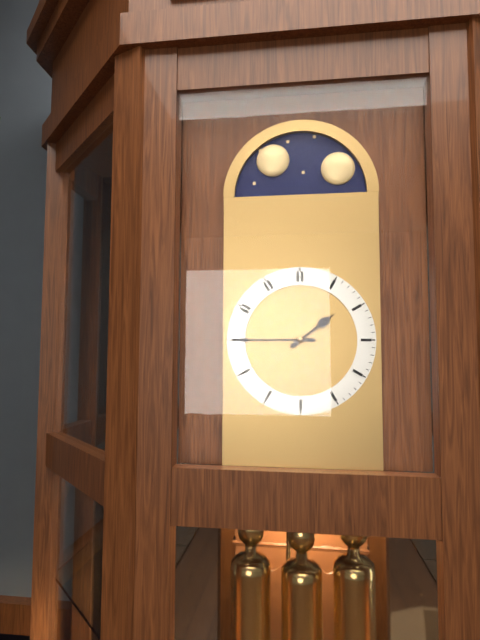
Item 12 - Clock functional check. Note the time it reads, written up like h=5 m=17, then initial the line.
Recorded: h=1 m=45
